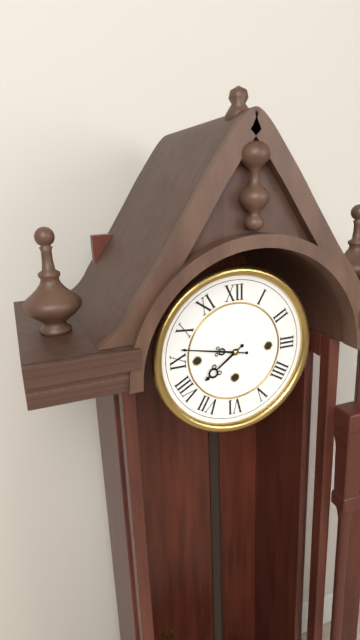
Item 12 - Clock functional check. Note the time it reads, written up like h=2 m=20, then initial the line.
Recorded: h=7 m=47
